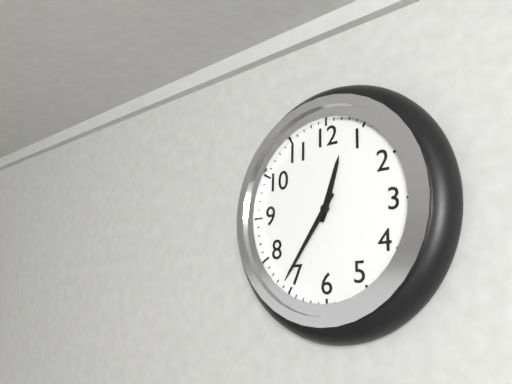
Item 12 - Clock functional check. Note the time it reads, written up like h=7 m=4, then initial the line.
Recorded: h=12 m=36
